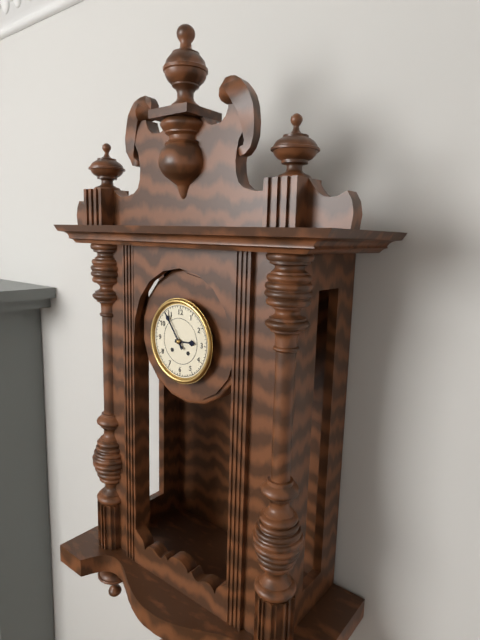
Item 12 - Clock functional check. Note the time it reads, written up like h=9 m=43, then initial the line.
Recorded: h=2 m=54
